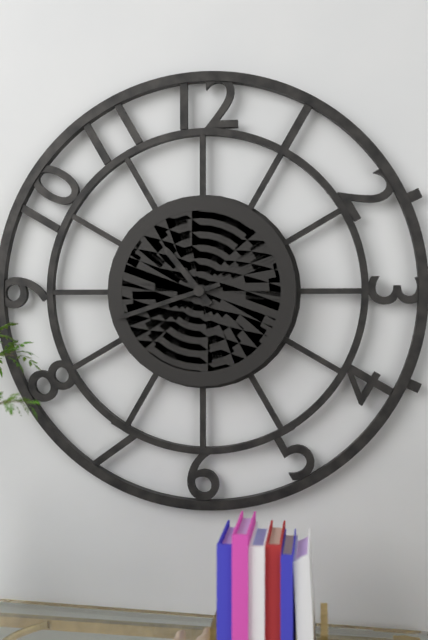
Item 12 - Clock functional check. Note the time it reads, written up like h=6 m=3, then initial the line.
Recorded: h=10 m=42
